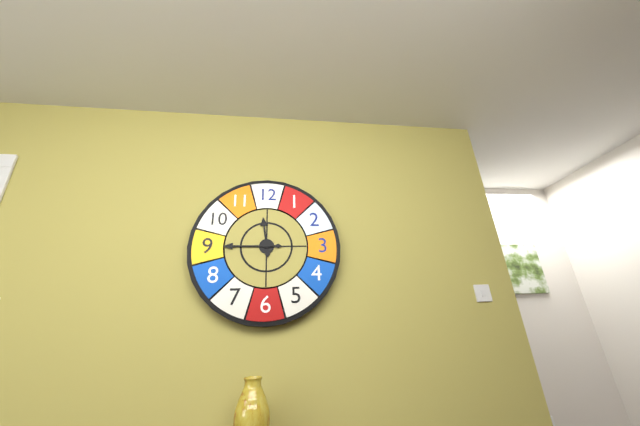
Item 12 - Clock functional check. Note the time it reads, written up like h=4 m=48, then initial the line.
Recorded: h=11 m=45
